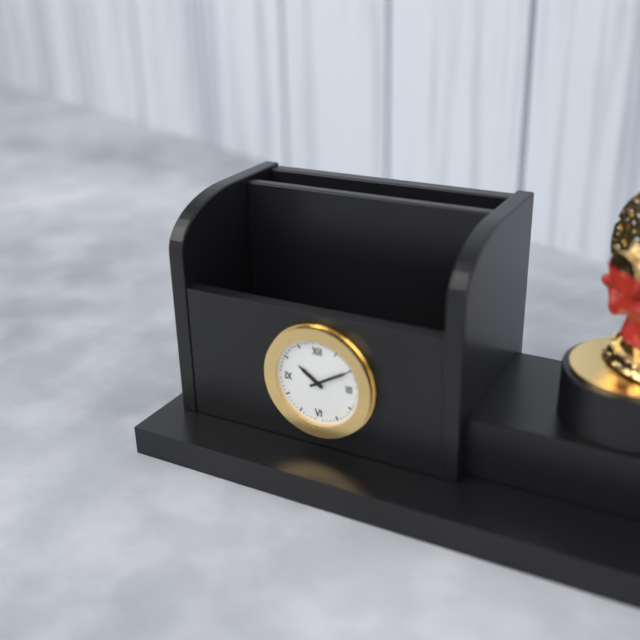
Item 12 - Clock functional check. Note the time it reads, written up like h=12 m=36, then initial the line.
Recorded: h=10 m=10
